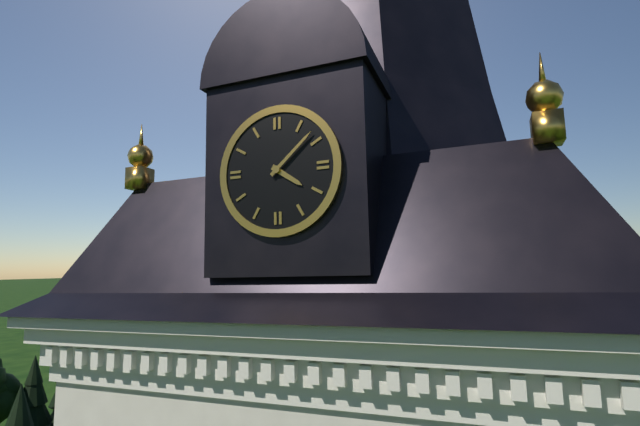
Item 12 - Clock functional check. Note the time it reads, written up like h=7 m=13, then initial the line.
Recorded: h=4 m=8
